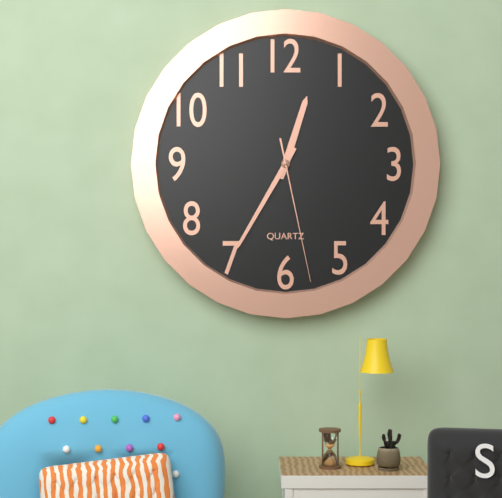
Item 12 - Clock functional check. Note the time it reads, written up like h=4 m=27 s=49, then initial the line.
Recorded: h=12 m=35 s=28
